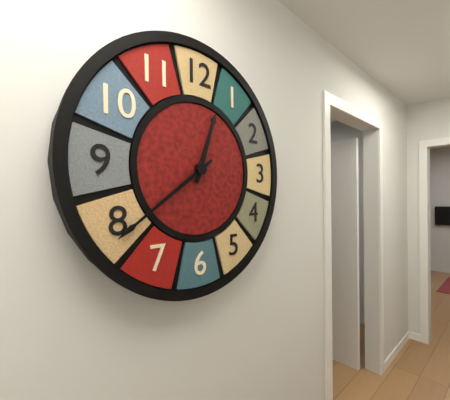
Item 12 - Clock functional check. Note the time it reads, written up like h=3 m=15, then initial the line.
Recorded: h=12 m=39
